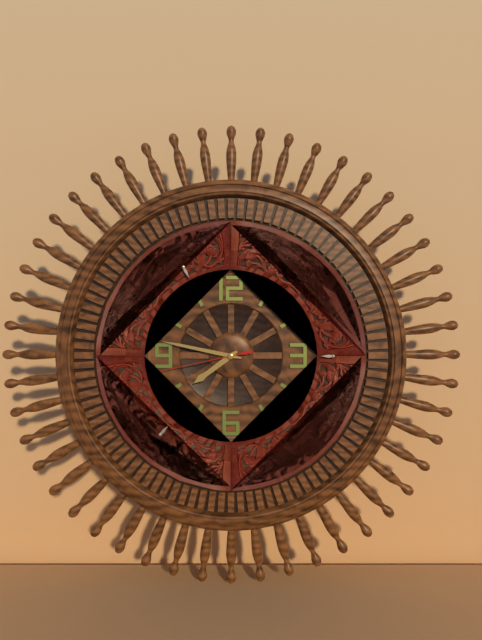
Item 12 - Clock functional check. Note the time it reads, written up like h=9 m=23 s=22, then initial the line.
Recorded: h=7 m=47 s=43
